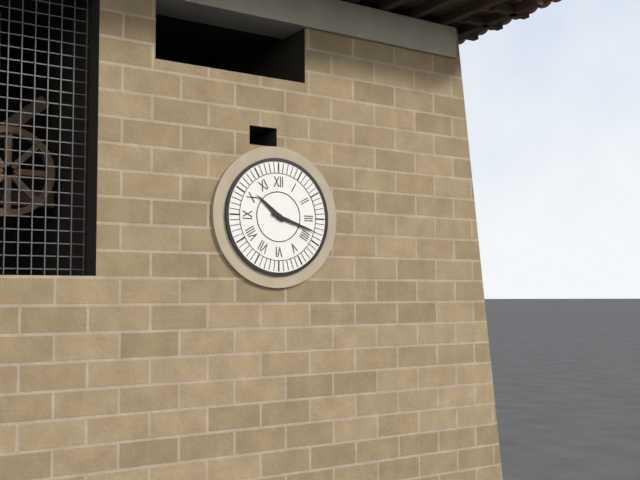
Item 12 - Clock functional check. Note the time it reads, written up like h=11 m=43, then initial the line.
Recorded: h=10 m=18
